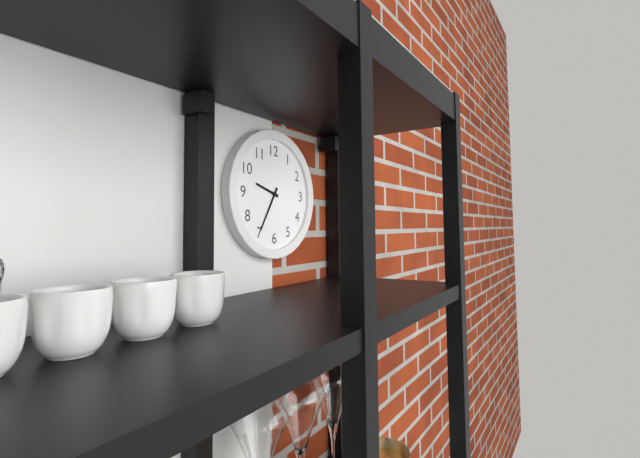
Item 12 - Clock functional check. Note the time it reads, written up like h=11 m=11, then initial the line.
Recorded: h=9 m=35
